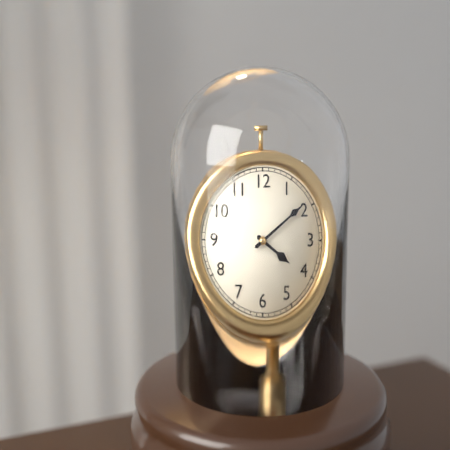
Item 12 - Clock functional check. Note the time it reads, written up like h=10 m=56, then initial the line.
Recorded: h=4 m=9
